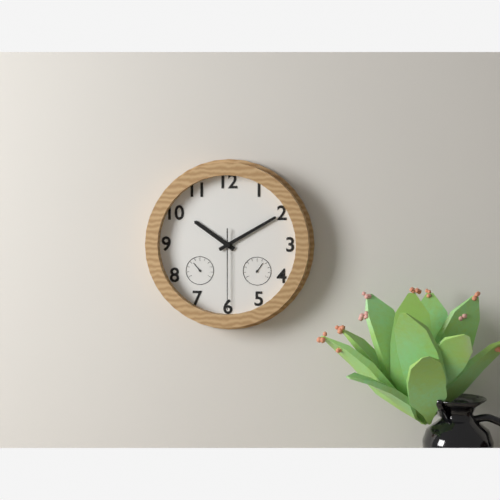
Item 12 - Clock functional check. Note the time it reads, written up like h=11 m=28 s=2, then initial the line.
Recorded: h=10 m=10 s=30
